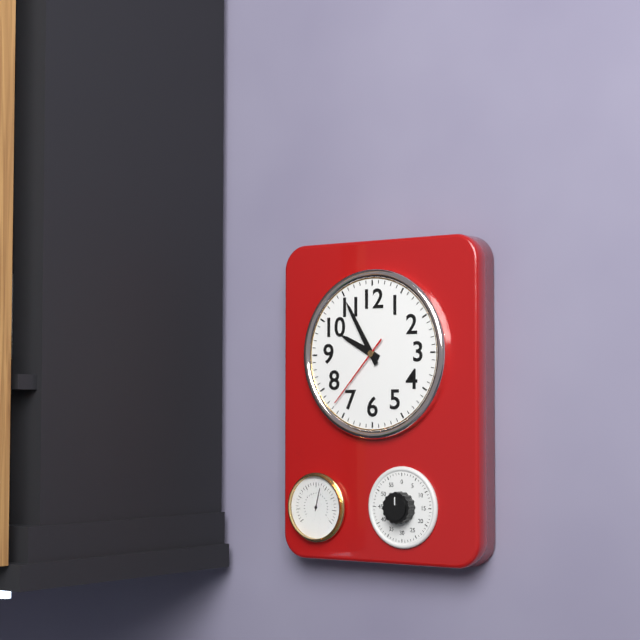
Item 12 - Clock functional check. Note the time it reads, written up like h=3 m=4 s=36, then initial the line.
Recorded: h=9 m=55 s=37
